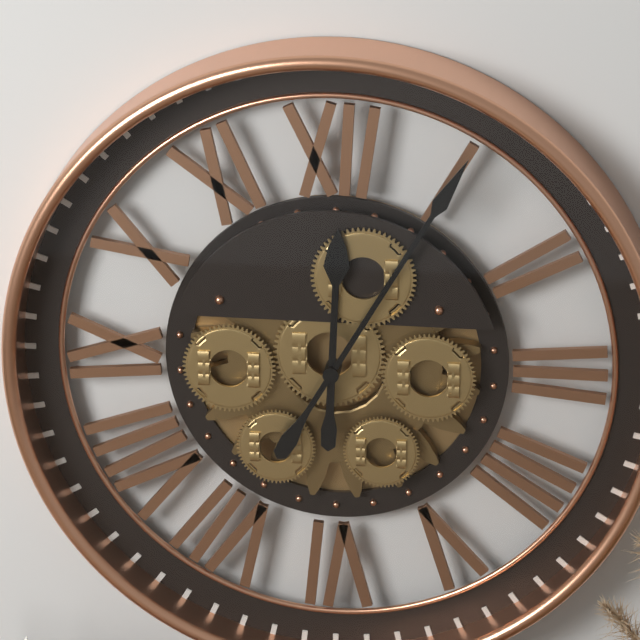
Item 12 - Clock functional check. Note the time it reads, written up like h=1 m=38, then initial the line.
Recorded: h=12 m=5
